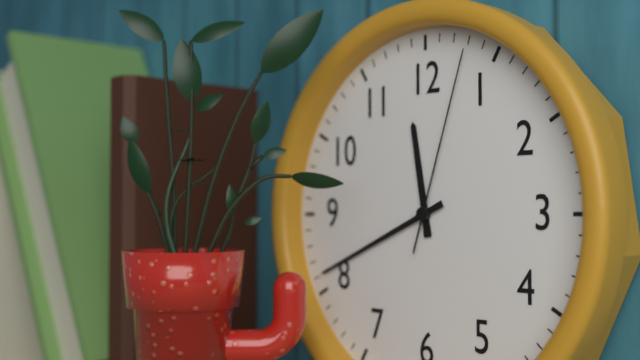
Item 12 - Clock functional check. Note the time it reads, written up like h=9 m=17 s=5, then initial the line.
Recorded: h=11 m=41 s=3
